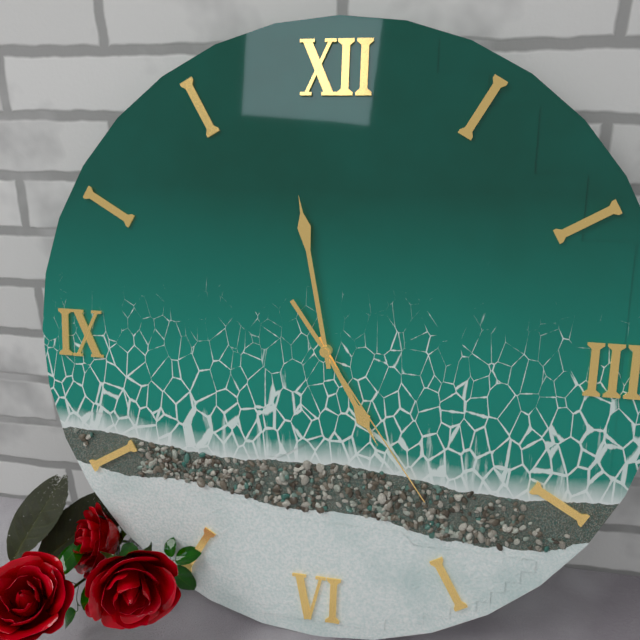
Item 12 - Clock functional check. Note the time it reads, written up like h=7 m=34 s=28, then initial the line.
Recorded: h=4 m=58 s=24
